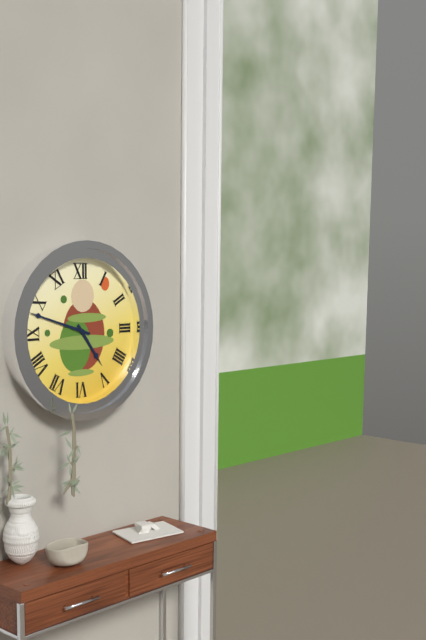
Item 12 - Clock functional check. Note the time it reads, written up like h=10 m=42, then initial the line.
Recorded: h=4 m=48
